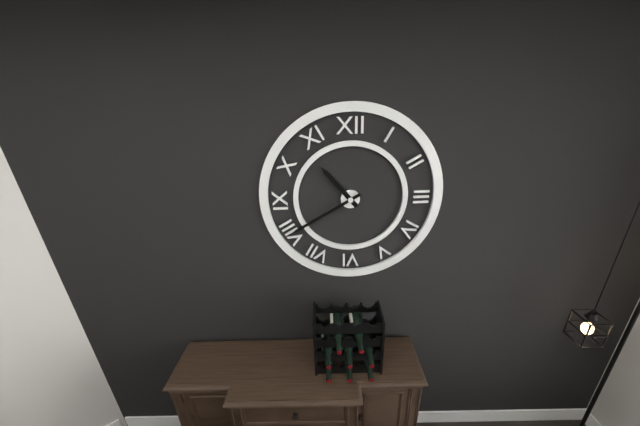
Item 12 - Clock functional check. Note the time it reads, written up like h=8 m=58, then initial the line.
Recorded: h=10 m=40
